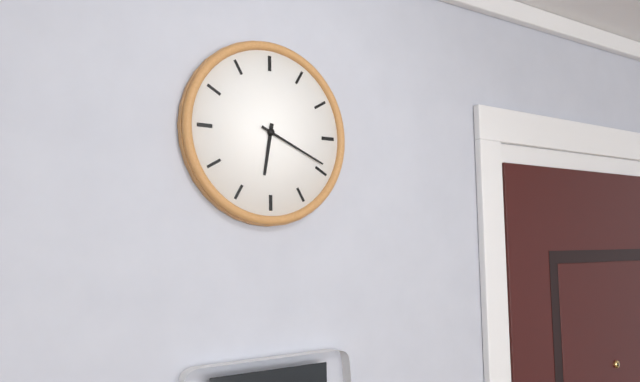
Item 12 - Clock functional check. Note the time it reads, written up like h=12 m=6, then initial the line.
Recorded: h=6 m=19
